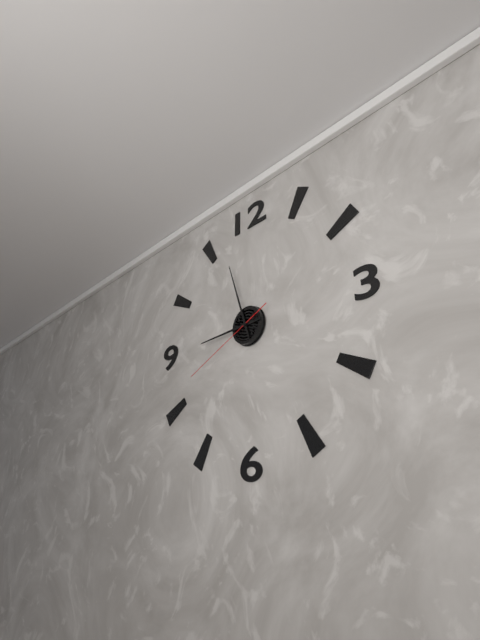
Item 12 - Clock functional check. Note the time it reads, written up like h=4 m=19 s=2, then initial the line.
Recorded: h=8 m=57 s=41
